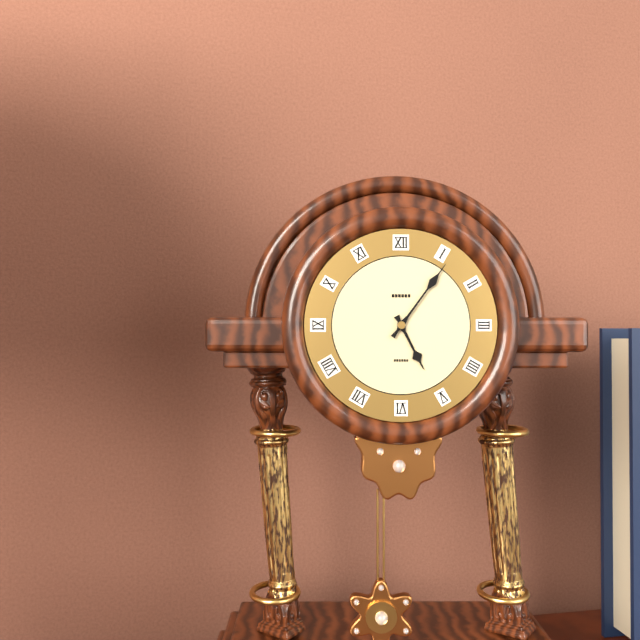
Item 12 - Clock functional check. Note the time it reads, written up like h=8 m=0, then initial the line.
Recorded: h=5 m=6
